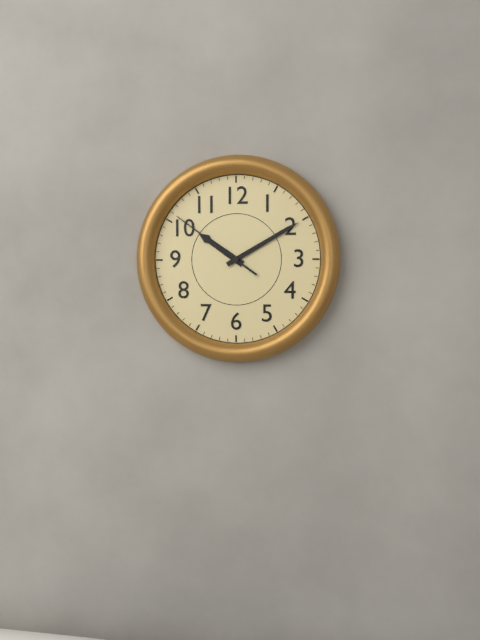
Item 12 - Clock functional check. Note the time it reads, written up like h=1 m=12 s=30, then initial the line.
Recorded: h=10 m=10 s=51
